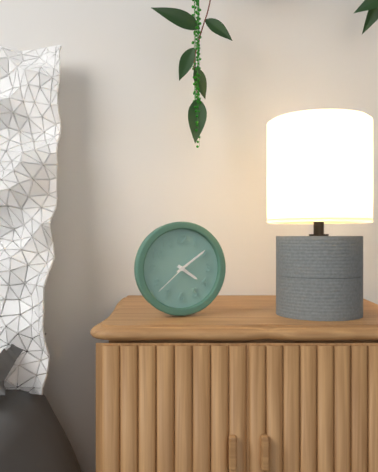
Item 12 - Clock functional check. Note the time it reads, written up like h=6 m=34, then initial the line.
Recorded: h=4 m=9
